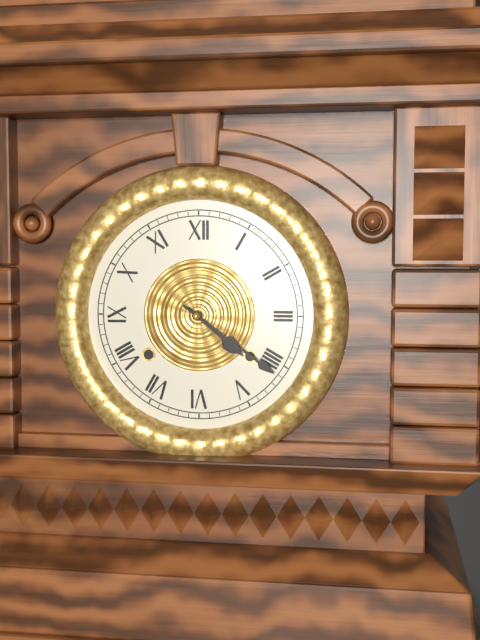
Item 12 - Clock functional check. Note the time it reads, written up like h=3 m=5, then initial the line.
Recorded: h=4 m=21
